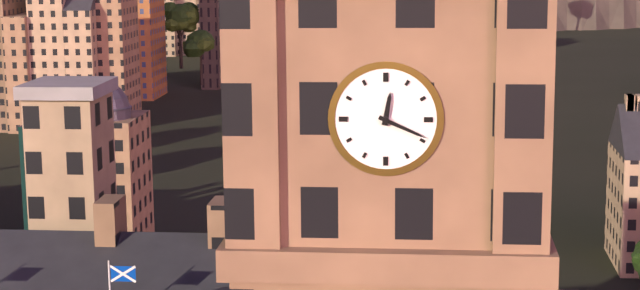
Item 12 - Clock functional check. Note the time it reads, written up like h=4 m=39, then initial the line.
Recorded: h=12 m=19
